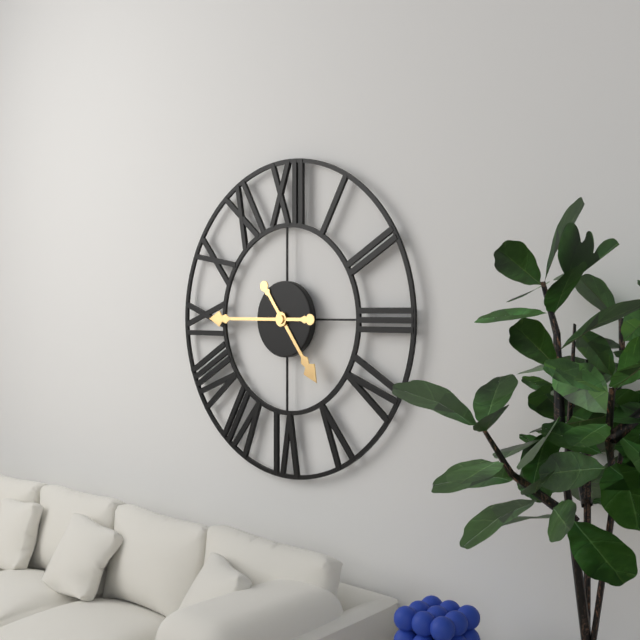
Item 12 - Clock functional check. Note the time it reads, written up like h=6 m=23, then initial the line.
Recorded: h=4 m=45
